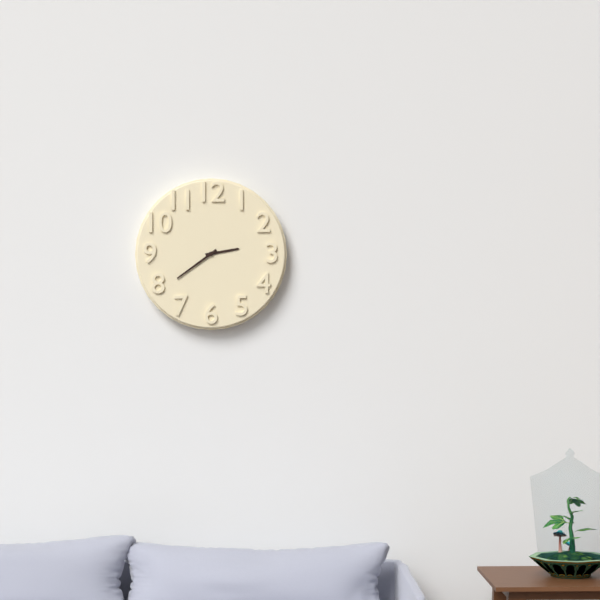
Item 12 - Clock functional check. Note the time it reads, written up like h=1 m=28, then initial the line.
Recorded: h=2 m=39
